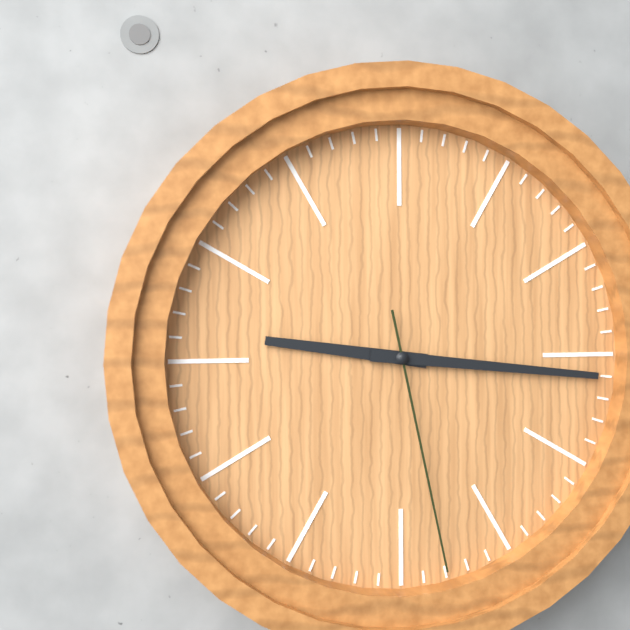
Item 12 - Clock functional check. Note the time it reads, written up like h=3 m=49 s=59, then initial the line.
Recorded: h=9 m=16 s=28
